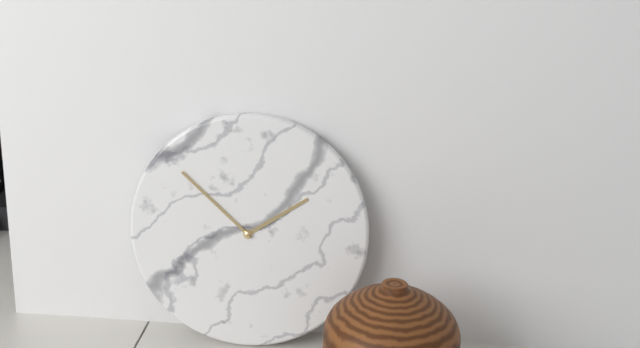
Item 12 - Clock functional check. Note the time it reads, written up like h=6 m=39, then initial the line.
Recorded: h=1 m=52
